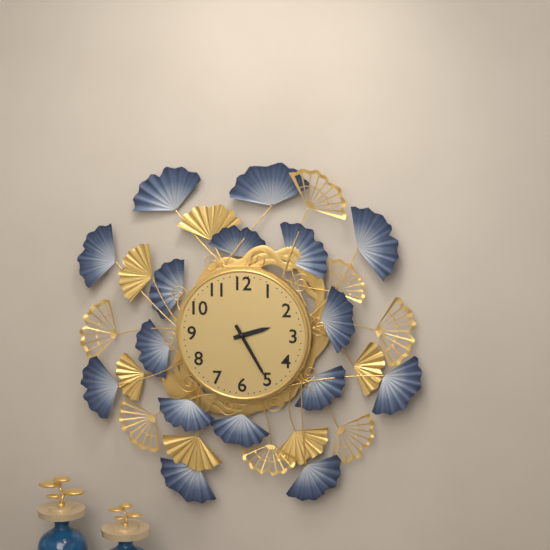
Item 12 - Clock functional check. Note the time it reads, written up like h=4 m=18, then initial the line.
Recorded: h=2 m=25
